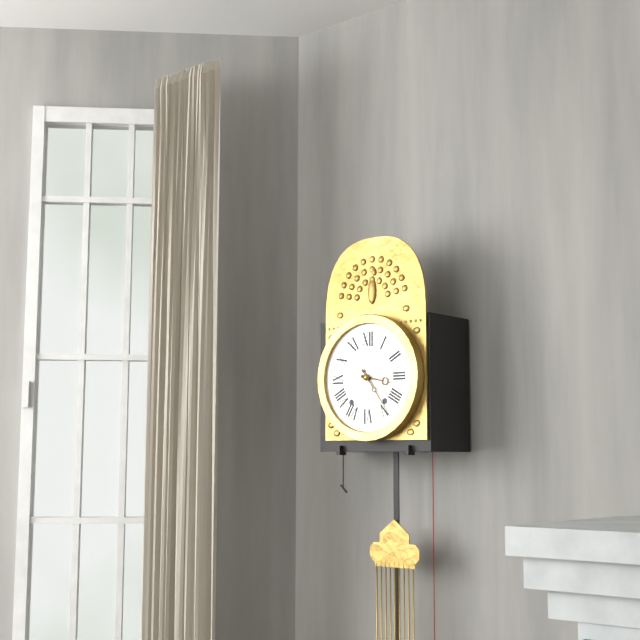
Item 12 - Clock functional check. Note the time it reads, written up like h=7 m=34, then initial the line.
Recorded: h=3 m=24
